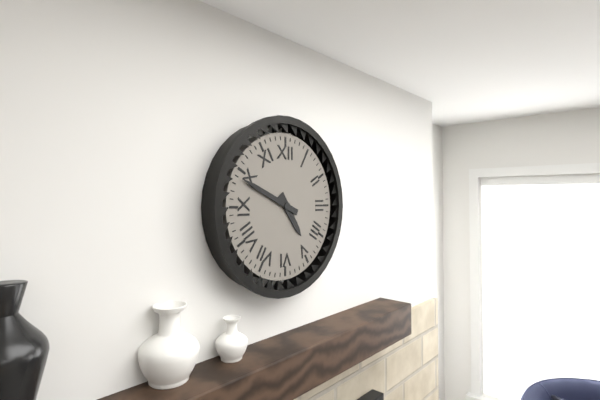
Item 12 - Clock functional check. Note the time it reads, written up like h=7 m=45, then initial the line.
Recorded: h=4 m=49
